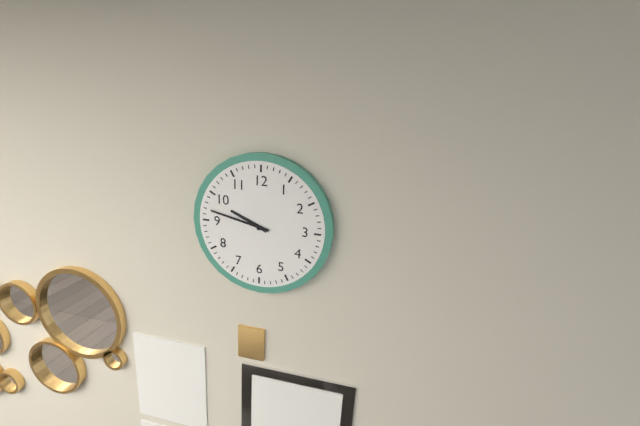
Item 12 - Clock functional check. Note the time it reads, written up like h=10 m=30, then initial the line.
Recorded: h=9 m=47
